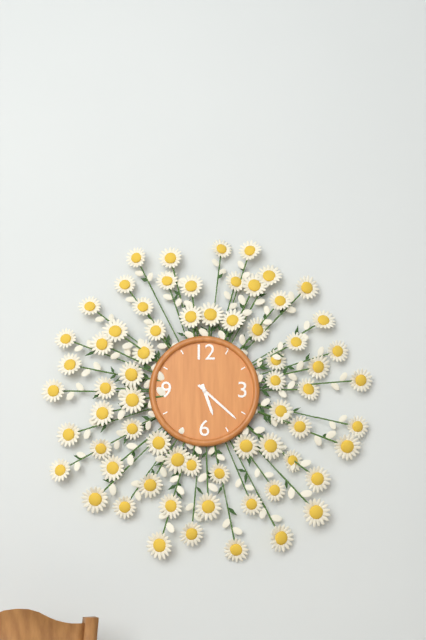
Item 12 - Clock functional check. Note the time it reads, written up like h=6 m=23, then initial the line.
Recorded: h=5 m=22
